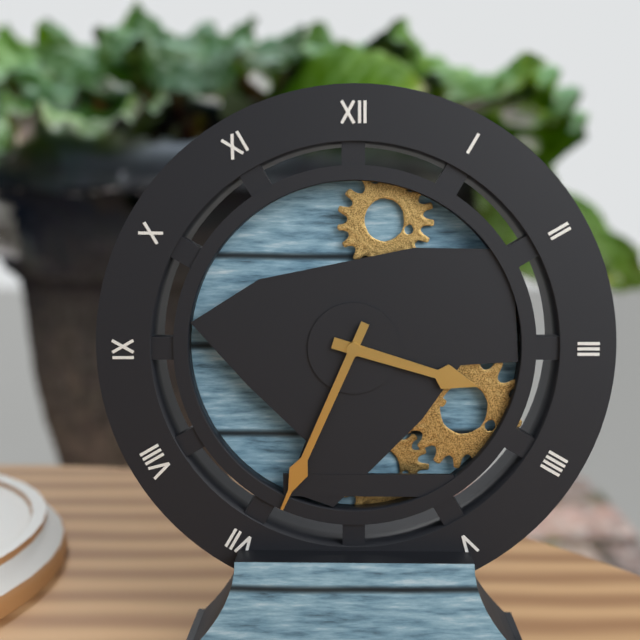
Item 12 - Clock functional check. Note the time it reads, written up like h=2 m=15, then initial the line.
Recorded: h=3 m=34
